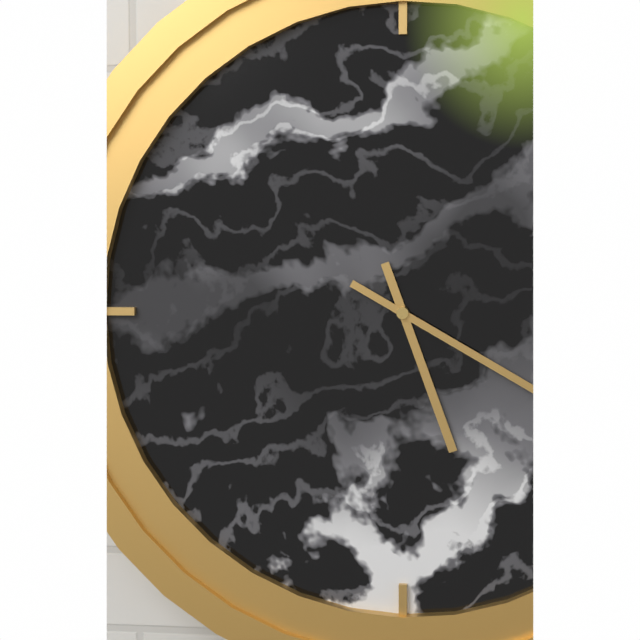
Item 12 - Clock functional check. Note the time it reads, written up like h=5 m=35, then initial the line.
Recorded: h=5 m=20
